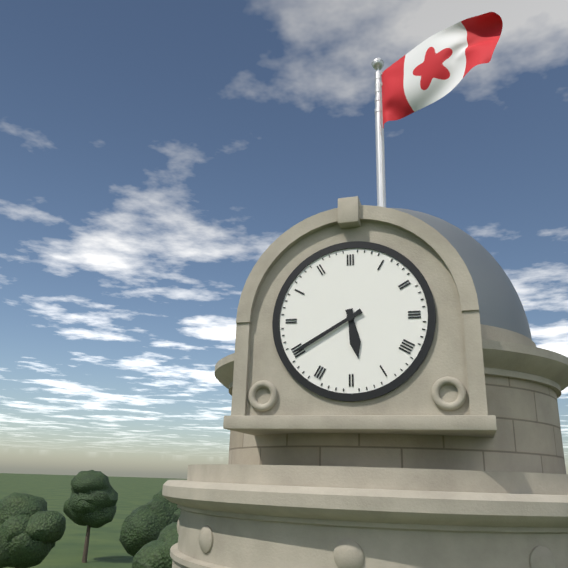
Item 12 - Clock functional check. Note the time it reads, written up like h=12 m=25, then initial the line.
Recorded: h=5 m=40
